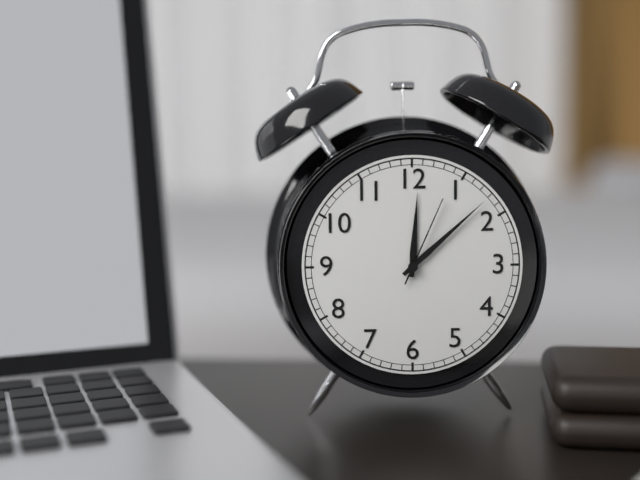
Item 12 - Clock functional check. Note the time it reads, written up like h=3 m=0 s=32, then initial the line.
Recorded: h=12 m=8 s=4
